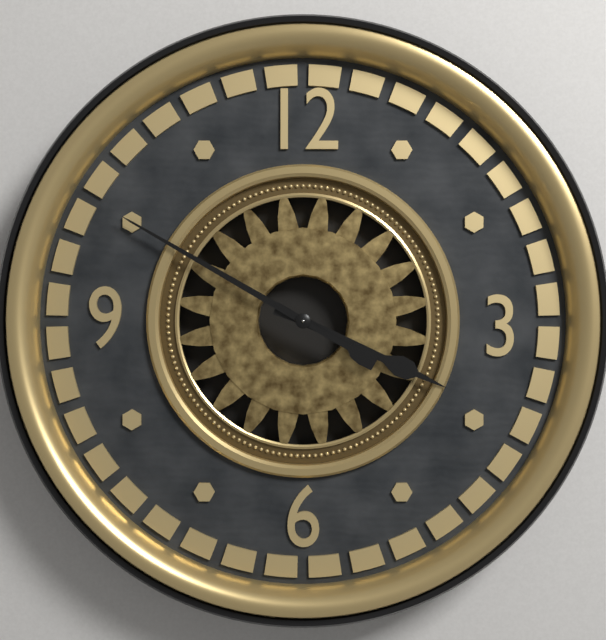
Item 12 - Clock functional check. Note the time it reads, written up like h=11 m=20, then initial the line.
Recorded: h=3 m=50
